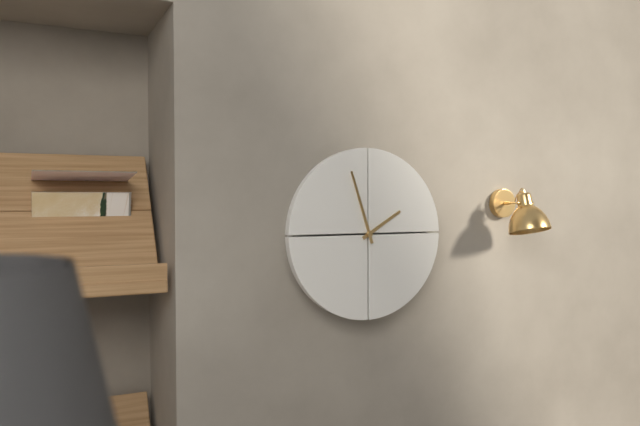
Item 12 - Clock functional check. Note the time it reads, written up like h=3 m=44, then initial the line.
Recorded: h=1 m=57
